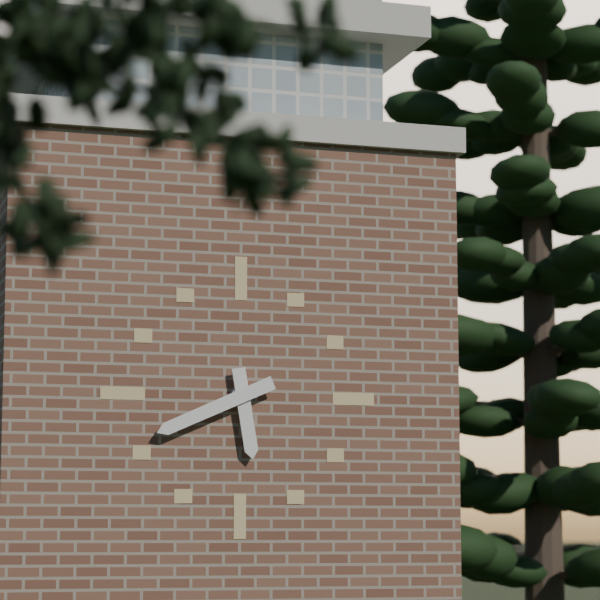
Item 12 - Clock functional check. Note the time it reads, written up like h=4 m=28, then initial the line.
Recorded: h=5 m=41
